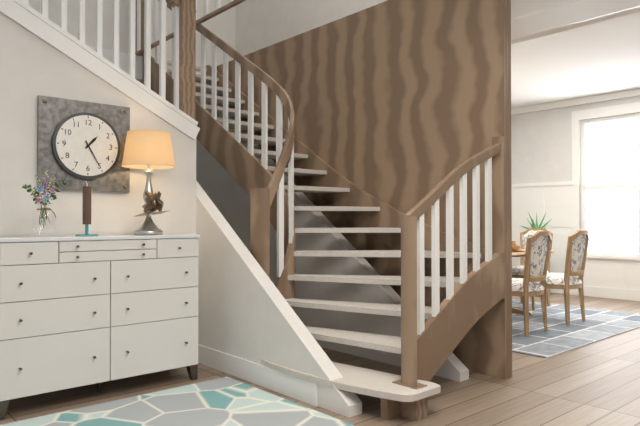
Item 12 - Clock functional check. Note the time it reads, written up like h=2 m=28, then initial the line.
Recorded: h=1 m=25
